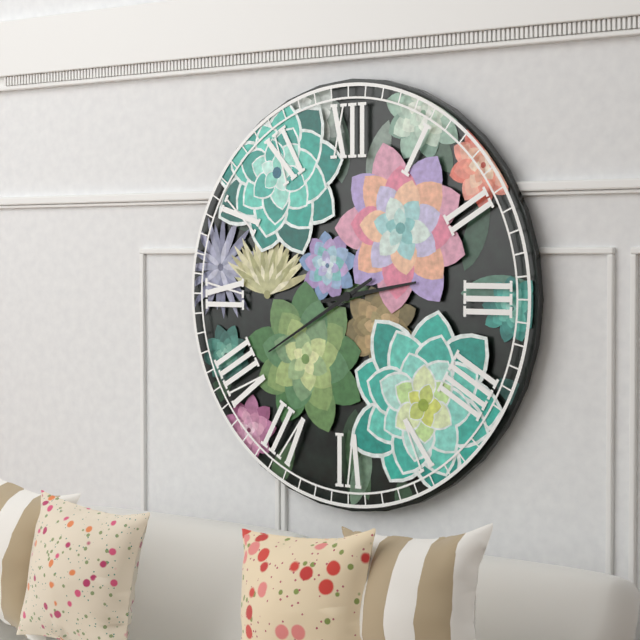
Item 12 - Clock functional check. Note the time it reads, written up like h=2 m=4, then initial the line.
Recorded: h=2 m=40
